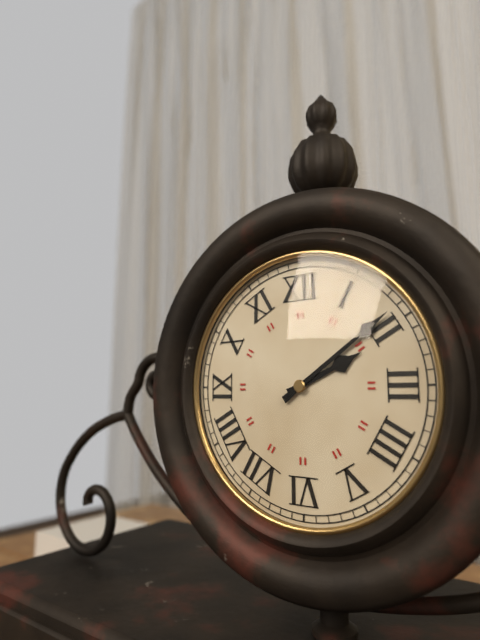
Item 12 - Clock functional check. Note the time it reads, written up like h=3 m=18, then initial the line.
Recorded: h=2 m=9
